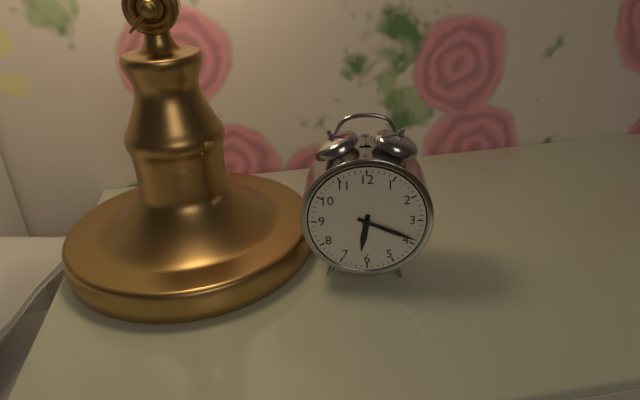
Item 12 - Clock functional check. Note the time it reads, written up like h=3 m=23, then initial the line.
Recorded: h=6 m=19
